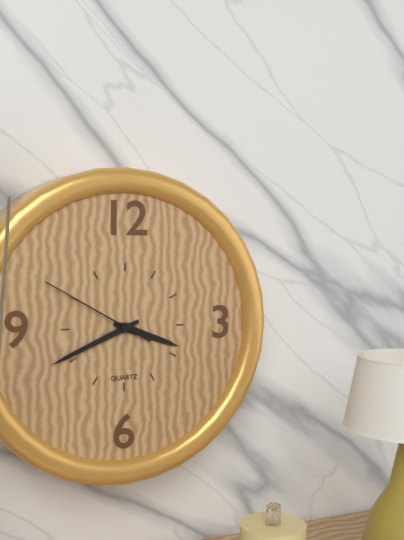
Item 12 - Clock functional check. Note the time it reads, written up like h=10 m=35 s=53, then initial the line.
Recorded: h=3 m=41 s=50
